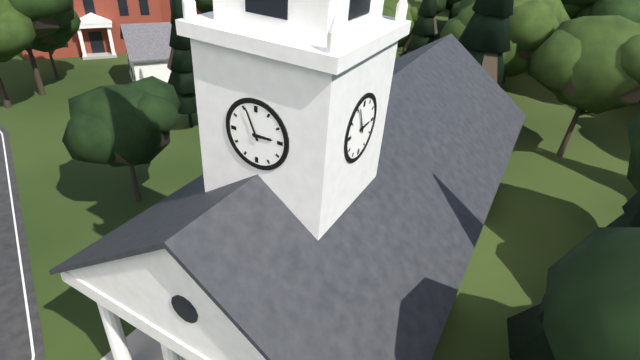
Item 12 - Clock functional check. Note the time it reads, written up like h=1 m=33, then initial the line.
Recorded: h=2 m=56
